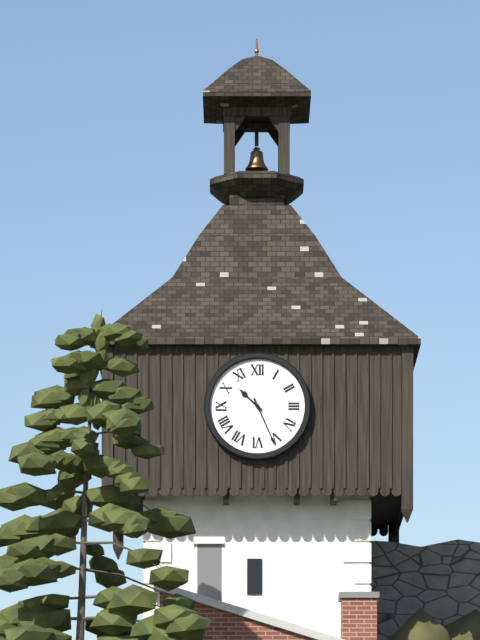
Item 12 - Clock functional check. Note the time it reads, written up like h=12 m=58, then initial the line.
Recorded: h=10 m=26
